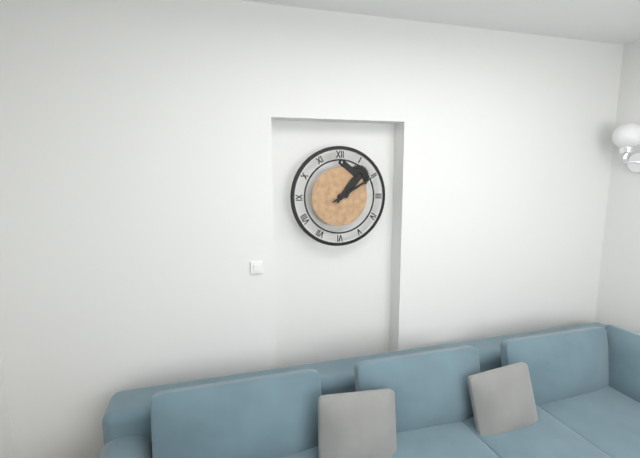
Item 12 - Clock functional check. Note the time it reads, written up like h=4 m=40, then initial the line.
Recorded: h=1 m=10
